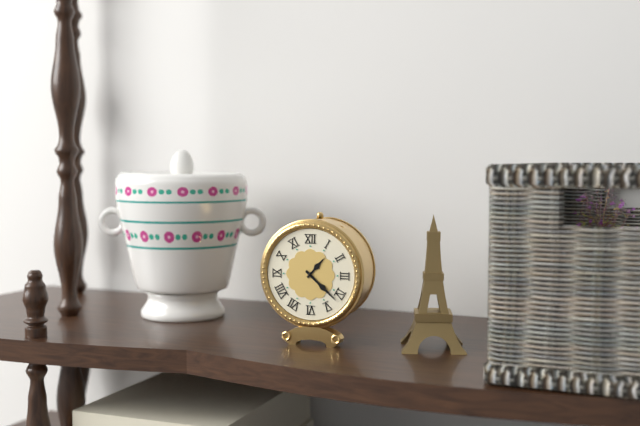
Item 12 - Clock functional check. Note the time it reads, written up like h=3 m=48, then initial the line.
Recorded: h=1 m=22
